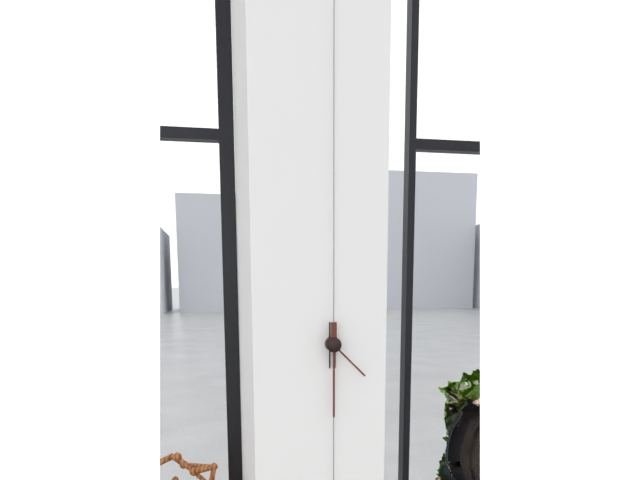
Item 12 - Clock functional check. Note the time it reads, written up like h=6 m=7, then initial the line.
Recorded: h=4 m=30
